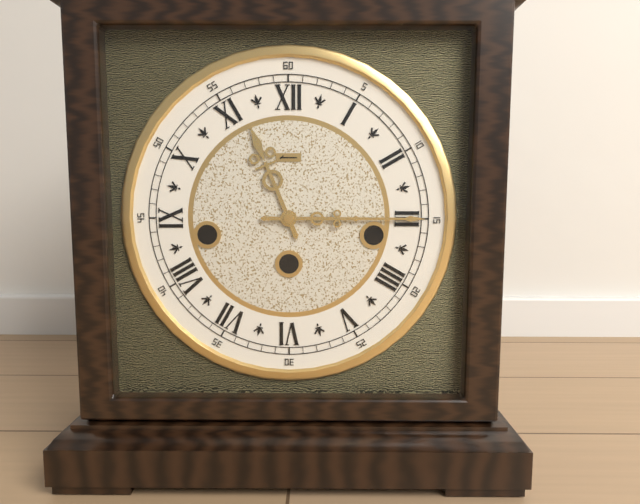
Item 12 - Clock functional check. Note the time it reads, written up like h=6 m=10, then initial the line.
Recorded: h=11 m=15
